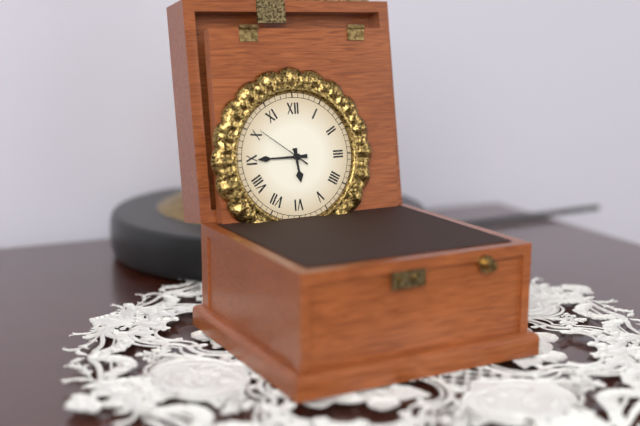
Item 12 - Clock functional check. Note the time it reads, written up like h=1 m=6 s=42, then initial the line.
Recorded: h=5 m=45 s=51
